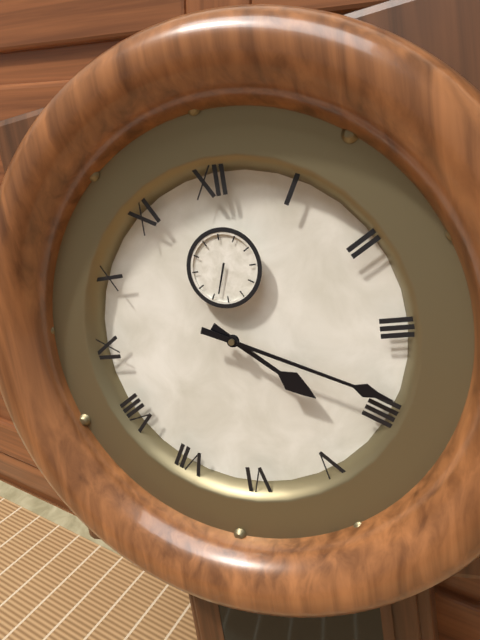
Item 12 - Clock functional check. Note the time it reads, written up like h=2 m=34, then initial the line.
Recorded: h=4 m=19
